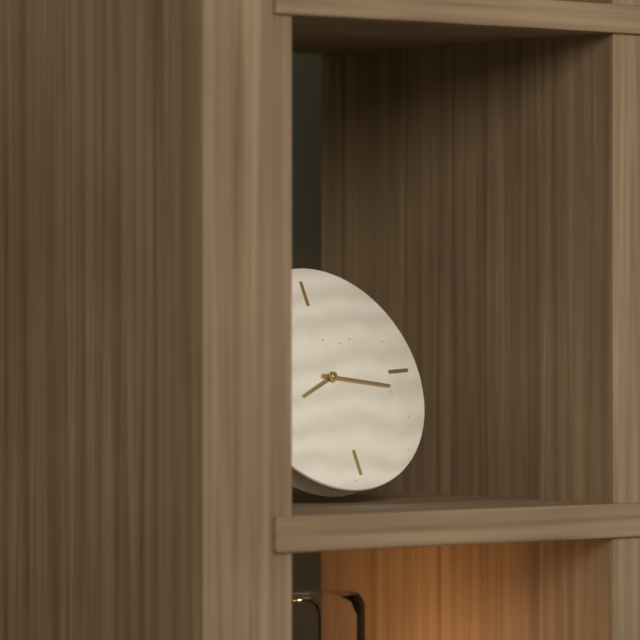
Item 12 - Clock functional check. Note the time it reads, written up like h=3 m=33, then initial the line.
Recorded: h=8 m=17
